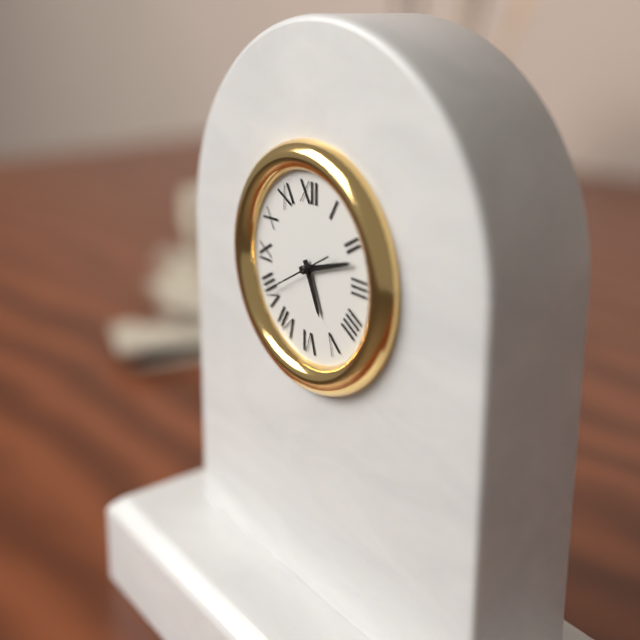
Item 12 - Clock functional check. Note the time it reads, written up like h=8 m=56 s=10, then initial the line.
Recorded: h=5 m=12 s=40
